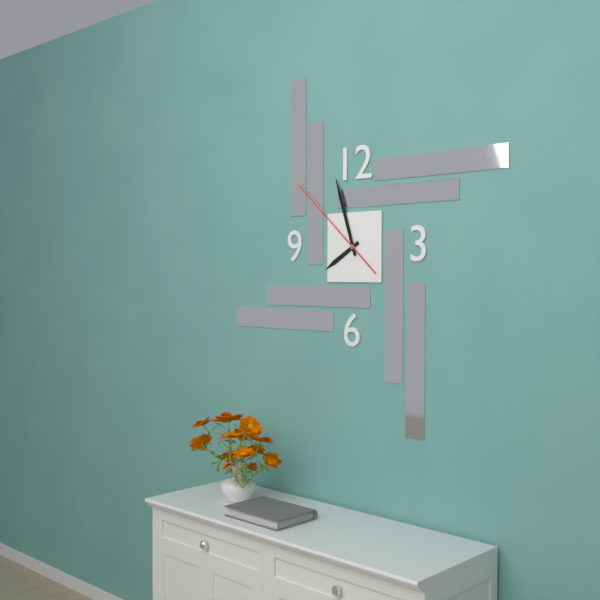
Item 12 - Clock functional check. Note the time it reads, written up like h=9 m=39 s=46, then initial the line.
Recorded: h=7 m=57 s=52
